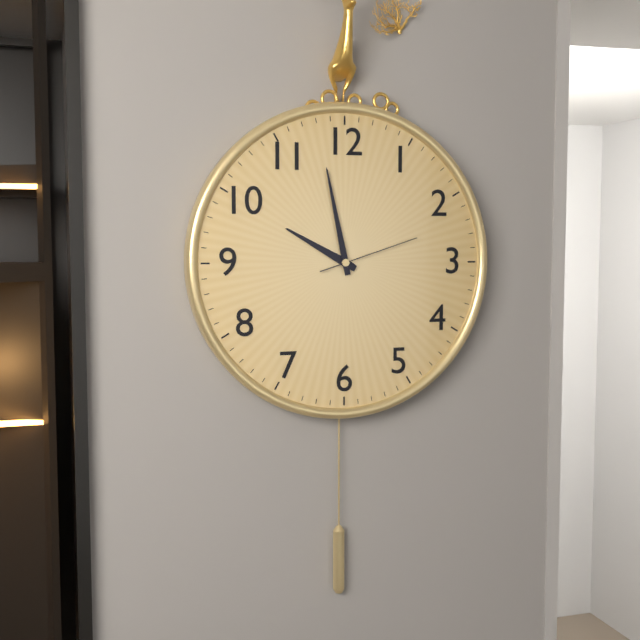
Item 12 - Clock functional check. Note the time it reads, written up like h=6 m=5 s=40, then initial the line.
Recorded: h=9 m=58 s=12
